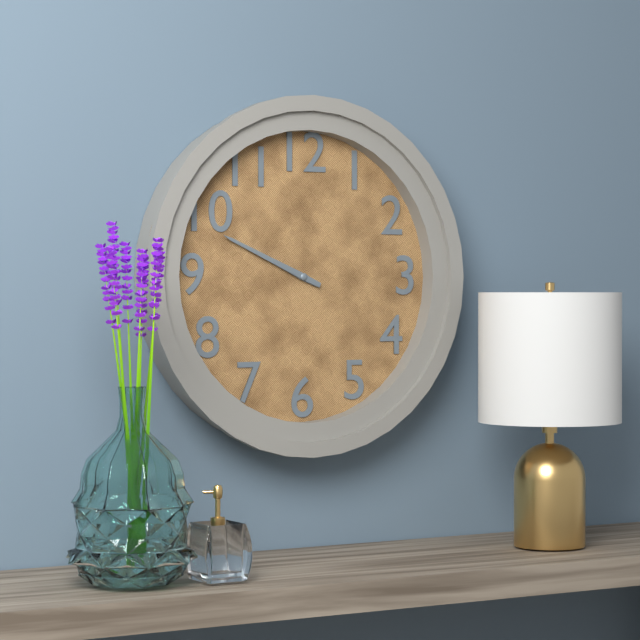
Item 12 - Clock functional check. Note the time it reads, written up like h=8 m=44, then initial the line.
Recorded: h=9 m=49
